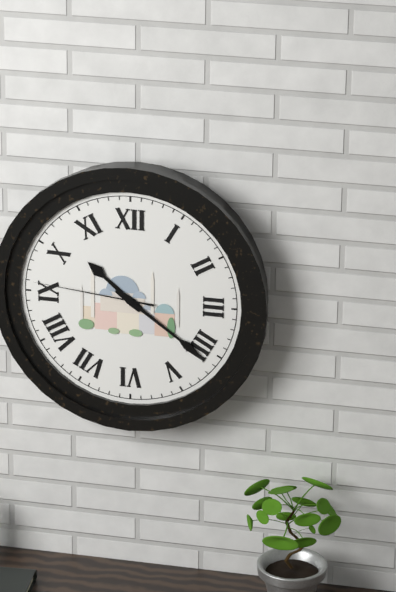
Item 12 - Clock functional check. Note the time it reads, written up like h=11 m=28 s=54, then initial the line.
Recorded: h=10 m=21 s=46
